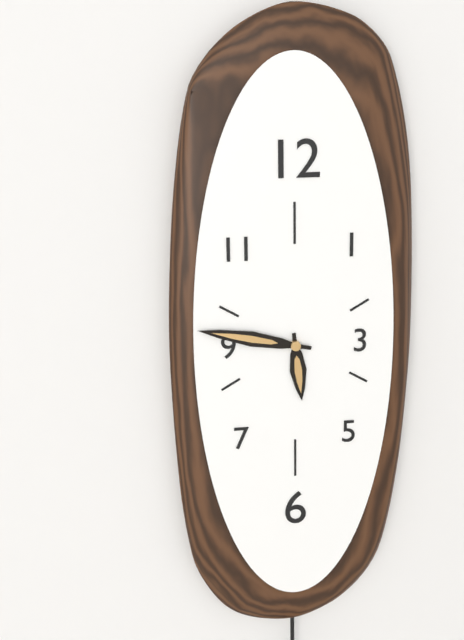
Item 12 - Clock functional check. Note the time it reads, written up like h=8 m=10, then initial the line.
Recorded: h=5 m=47
